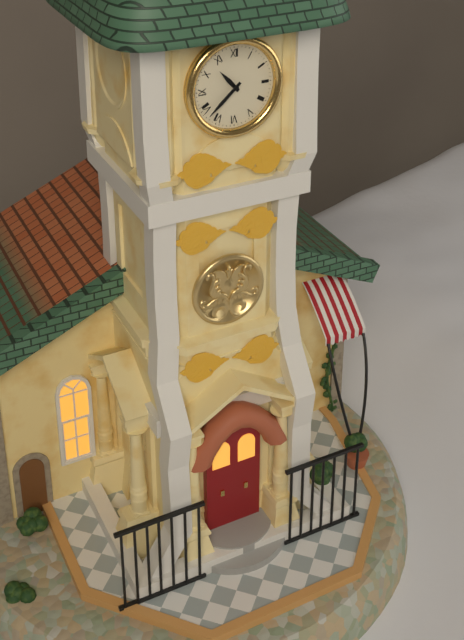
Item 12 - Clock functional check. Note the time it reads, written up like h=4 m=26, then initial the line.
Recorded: h=10 m=38
